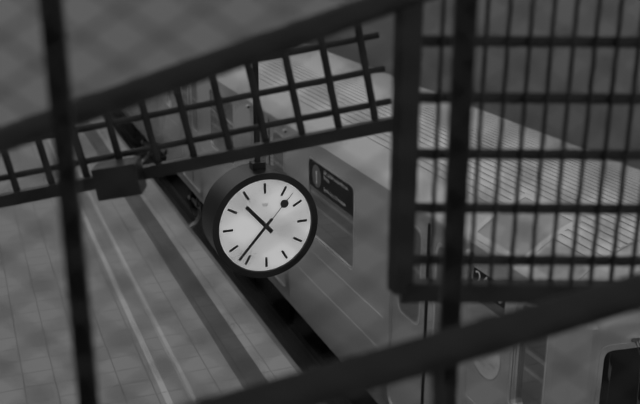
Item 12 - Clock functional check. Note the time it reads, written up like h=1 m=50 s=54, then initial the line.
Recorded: h=10 m=37 s=7
